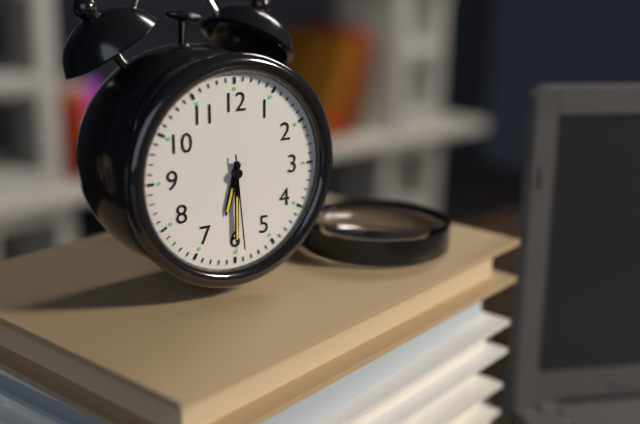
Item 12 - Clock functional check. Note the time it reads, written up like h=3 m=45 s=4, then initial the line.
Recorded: h=6 m=30 s=29
